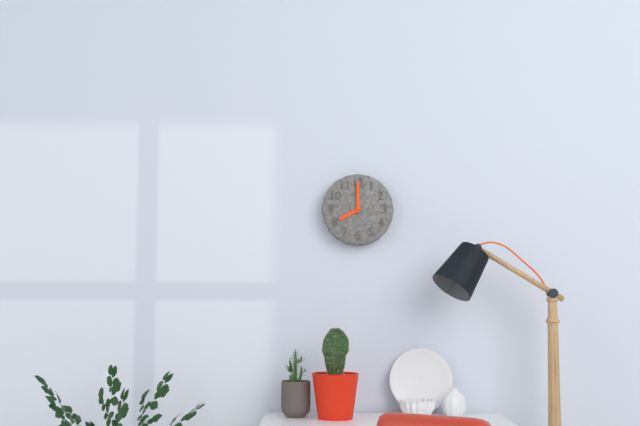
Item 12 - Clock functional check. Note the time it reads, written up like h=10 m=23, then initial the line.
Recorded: h=8 m=0
